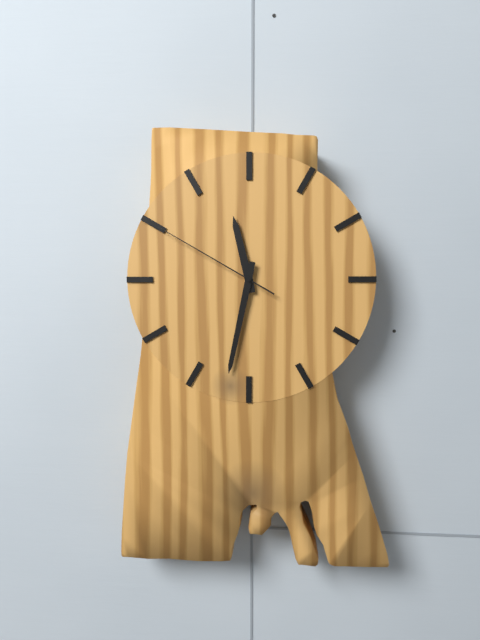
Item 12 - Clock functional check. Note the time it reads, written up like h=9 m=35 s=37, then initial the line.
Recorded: h=11 m=32 s=50
